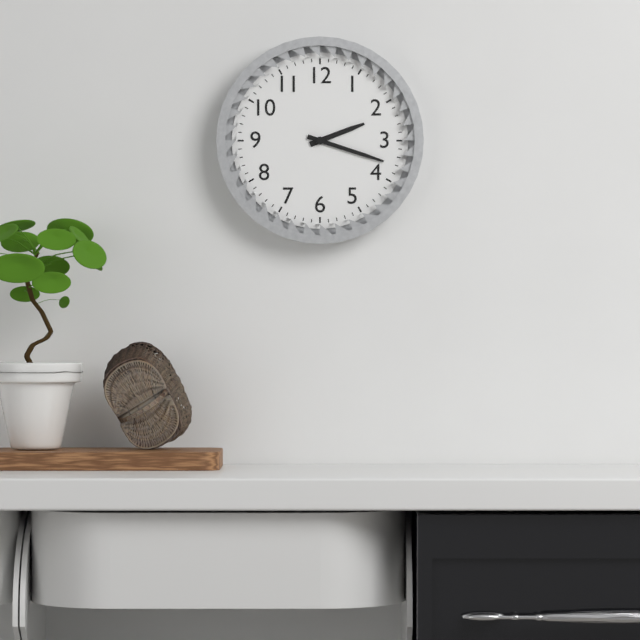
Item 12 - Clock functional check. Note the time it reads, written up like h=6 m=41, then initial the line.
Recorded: h=2 m=18
